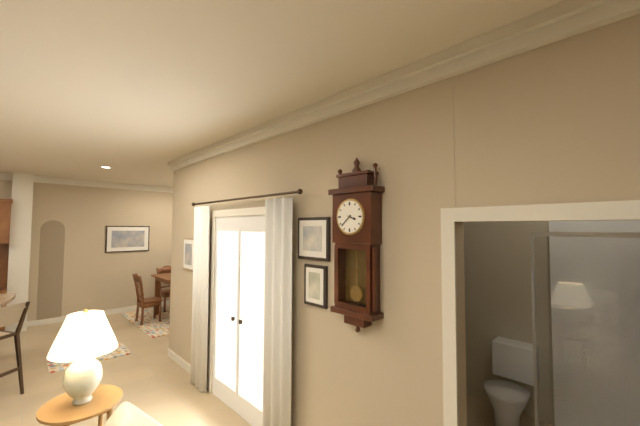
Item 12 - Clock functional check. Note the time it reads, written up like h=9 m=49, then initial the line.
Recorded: h=3 m=38
